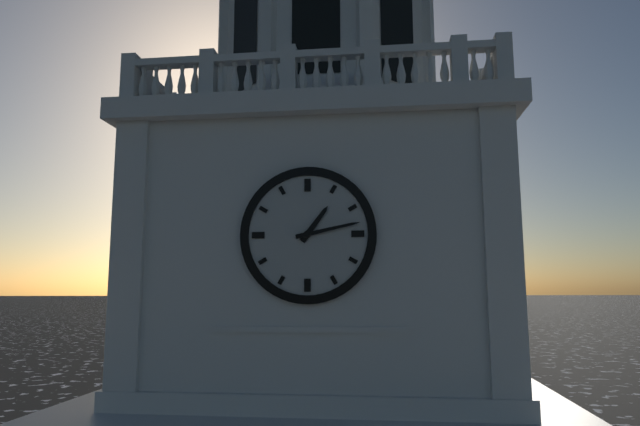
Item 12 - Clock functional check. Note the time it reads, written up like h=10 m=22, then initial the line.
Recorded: h=1 m=13
